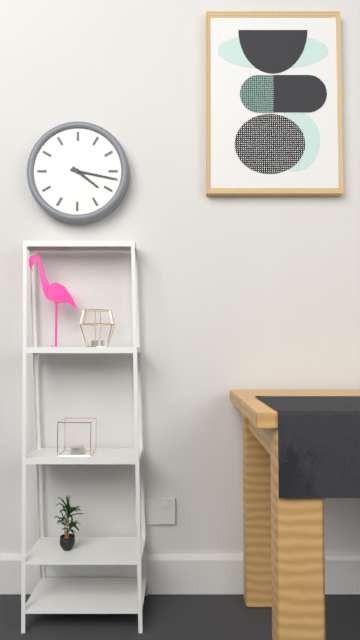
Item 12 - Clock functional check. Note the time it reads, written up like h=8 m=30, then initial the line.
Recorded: h=4 m=17
